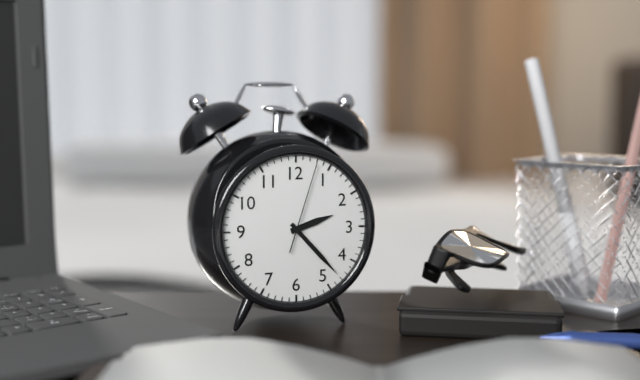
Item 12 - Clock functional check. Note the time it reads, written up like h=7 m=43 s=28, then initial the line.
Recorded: h=2 m=23 s=3
